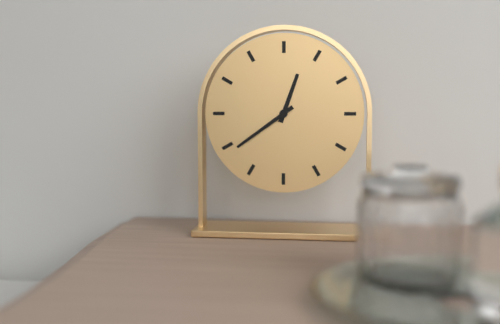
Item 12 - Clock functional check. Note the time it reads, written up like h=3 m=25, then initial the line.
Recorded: h=12 m=39
